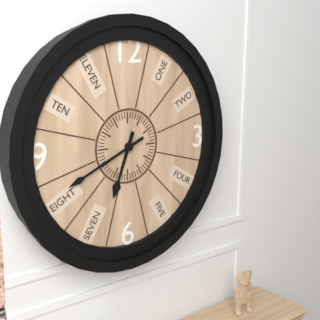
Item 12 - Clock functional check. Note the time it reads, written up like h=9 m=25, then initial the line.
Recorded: h=6 m=41
